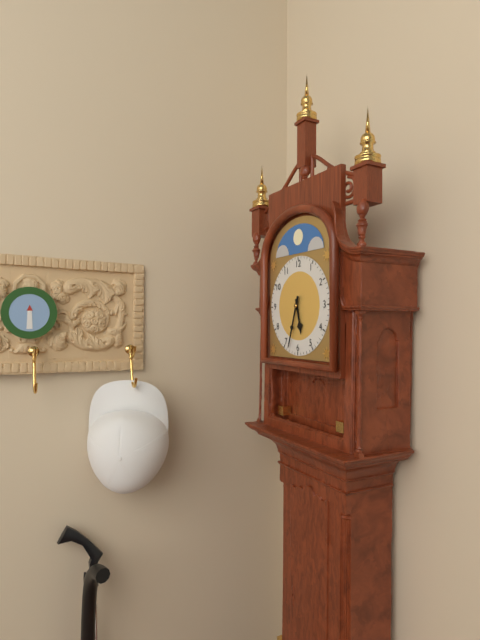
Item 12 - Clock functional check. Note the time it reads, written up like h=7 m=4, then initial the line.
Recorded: h=5 m=33
